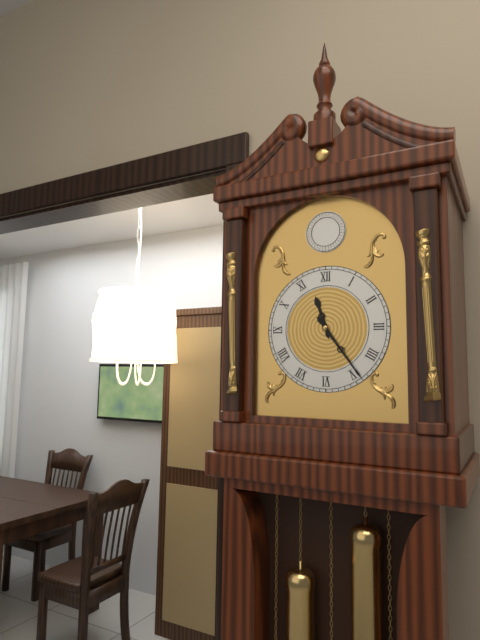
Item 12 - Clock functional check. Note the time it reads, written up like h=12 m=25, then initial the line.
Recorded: h=11 m=24
